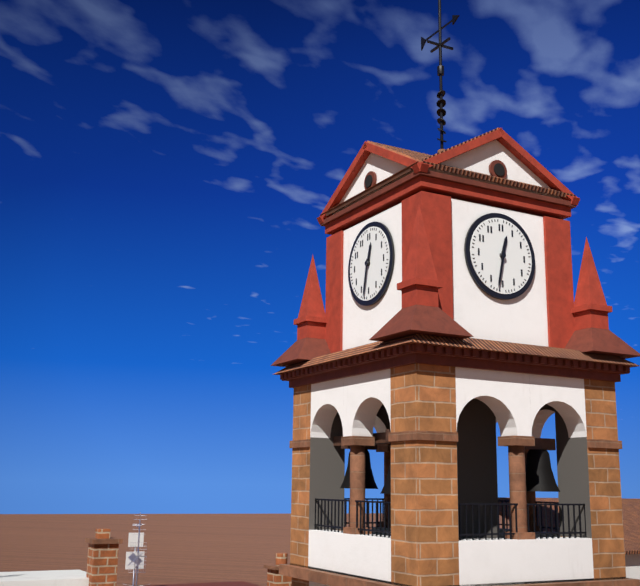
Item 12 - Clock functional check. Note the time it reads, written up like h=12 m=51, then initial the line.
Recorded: h=12 m=32
